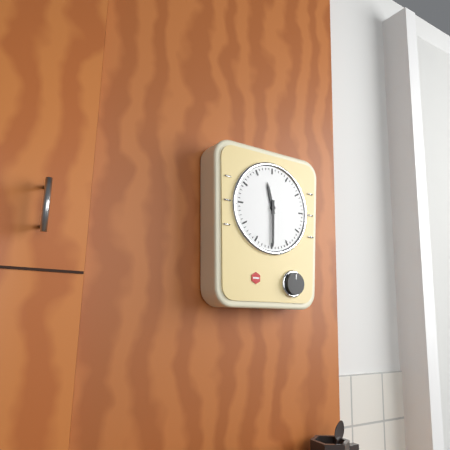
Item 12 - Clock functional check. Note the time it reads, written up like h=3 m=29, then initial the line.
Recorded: h=11 m=30
